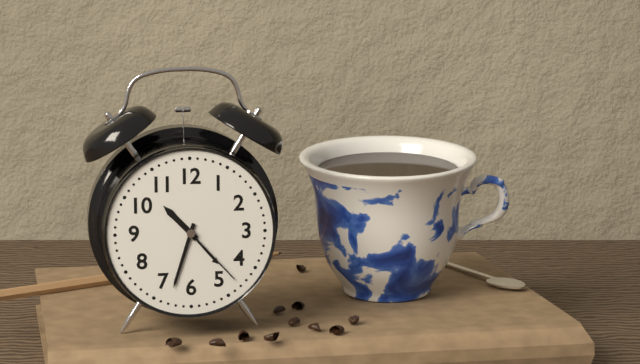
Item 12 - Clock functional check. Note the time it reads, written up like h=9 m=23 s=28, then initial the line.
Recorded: h=10 m=33 s=23
